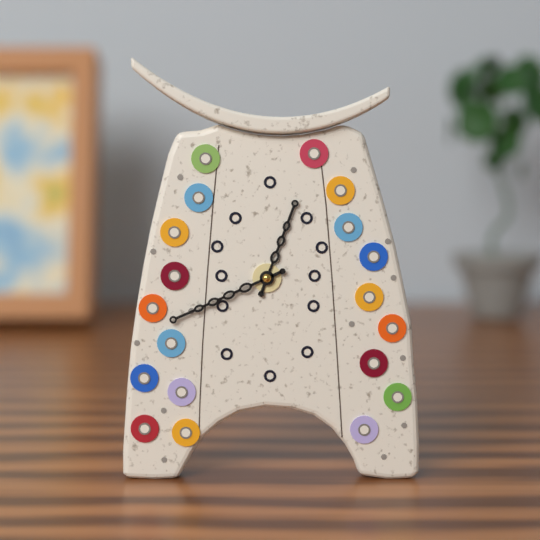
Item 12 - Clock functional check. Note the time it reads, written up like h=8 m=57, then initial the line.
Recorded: h=12 m=41
